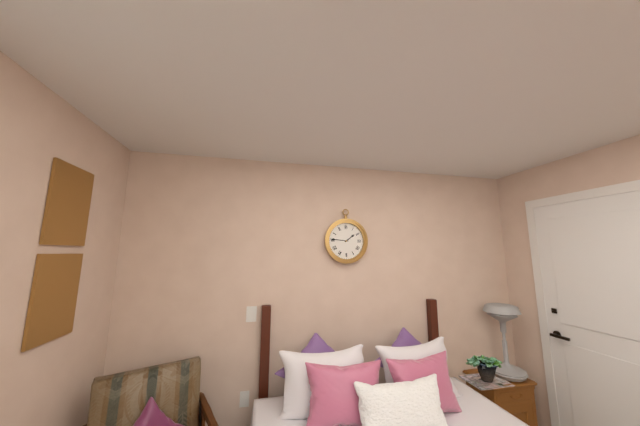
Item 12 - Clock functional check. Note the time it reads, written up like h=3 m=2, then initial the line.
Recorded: h=1 m=46
